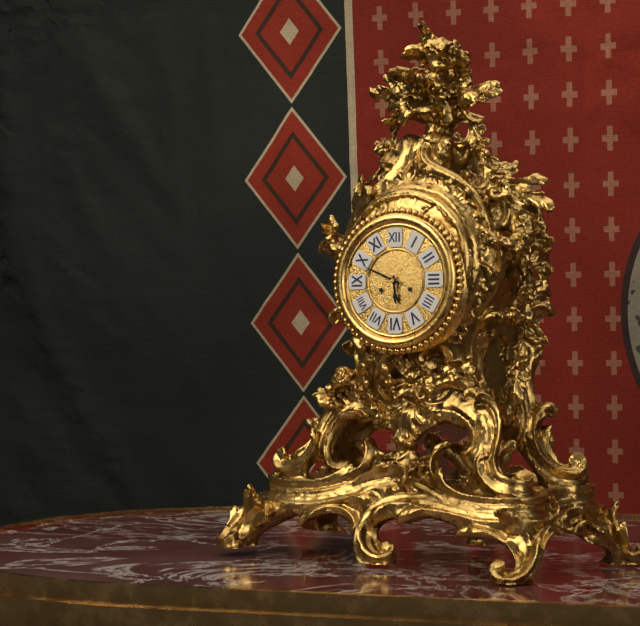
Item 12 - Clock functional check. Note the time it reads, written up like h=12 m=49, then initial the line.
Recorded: h=5 m=49
